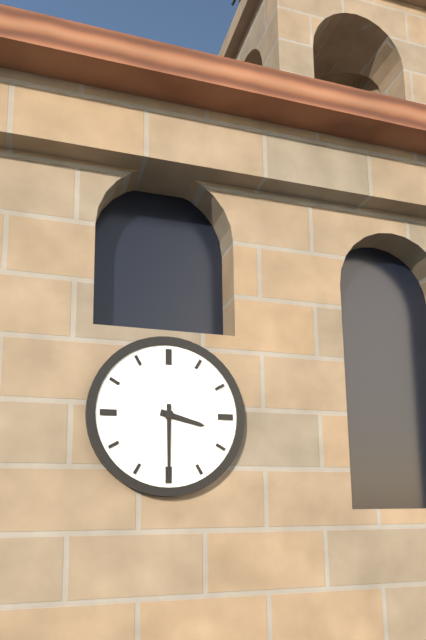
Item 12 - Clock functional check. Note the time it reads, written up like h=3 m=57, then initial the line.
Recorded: h=3 m=30
